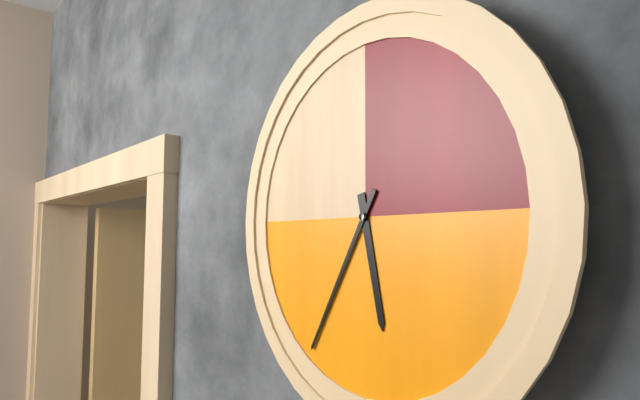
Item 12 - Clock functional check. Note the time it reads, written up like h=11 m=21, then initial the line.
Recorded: h=5 m=35
